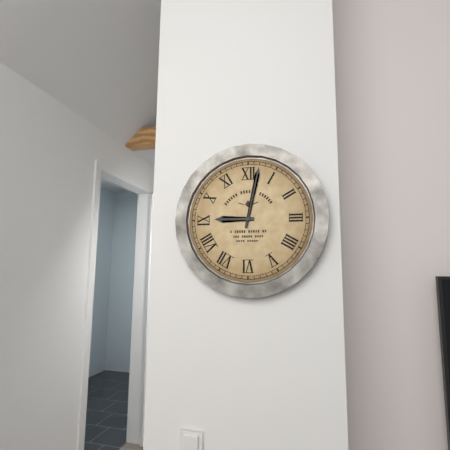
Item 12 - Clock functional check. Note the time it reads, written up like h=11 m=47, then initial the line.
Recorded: h=9 m=2
